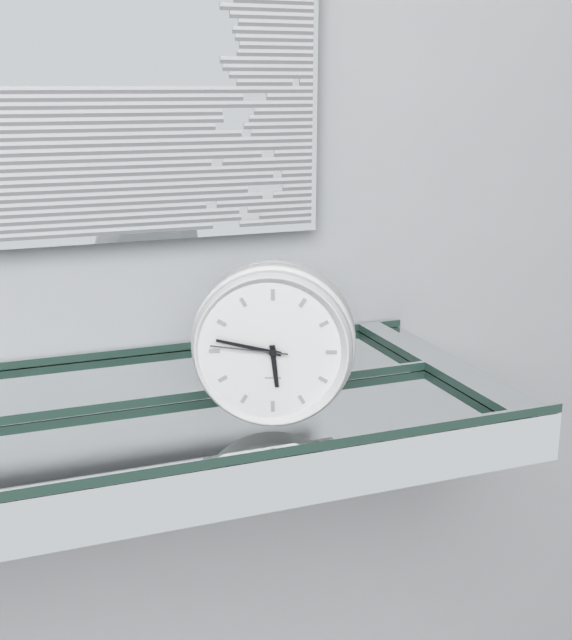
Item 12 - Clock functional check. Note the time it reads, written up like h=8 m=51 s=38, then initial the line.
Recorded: h=5 m=47 s=46
